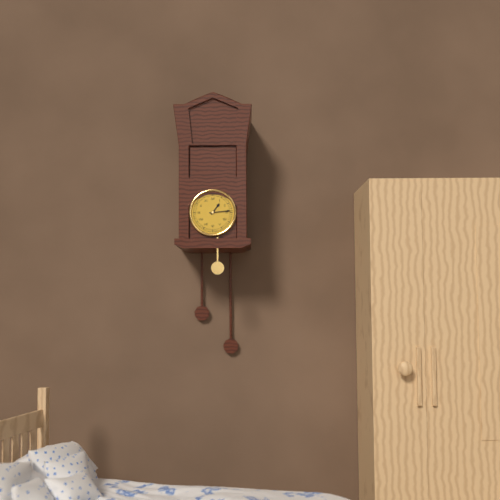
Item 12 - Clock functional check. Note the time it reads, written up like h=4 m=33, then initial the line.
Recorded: h=1 m=14
